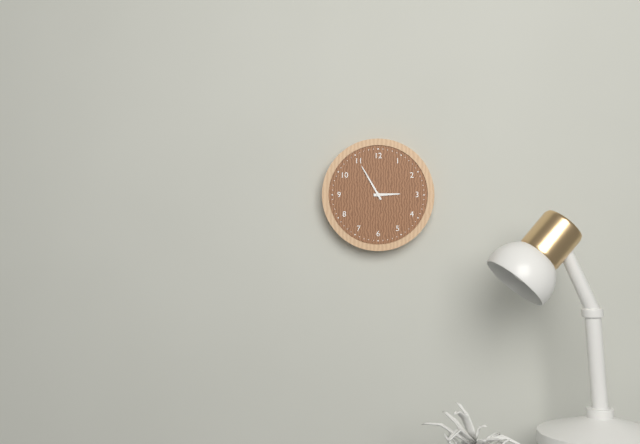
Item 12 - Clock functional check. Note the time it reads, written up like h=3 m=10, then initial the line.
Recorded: h=2 m=55
